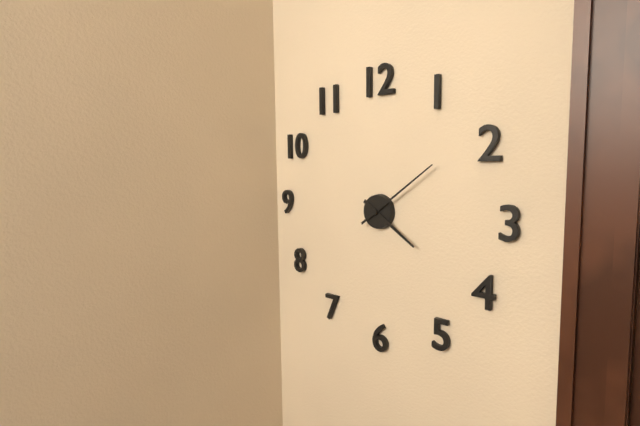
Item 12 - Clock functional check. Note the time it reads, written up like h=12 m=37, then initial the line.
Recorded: h=4 m=9
